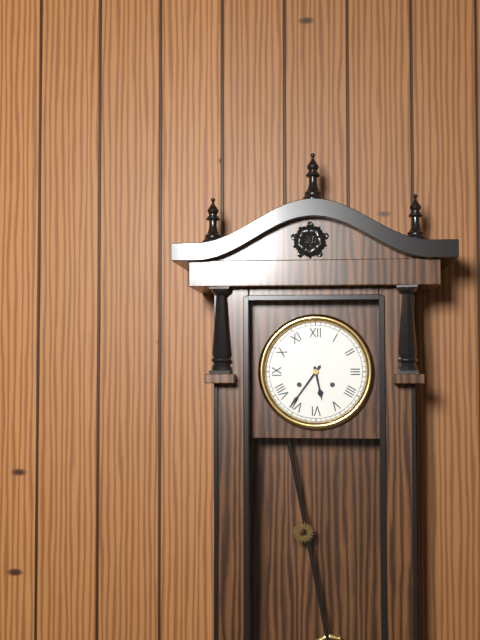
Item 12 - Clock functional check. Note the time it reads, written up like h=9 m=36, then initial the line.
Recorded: h=5 m=36
